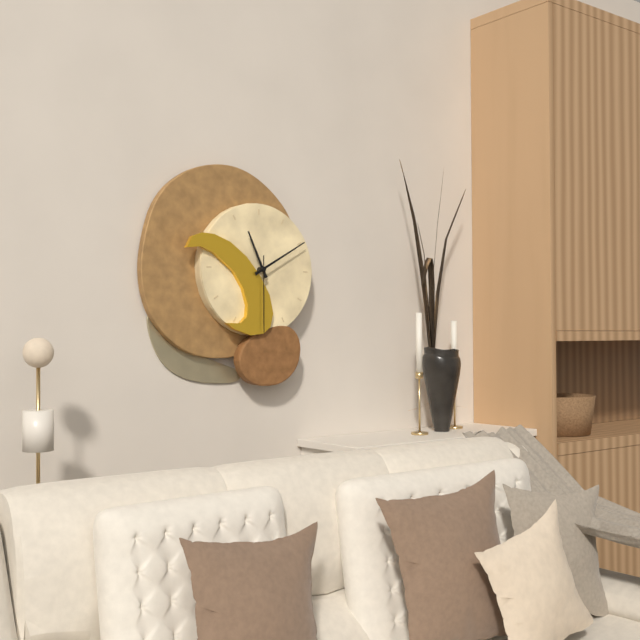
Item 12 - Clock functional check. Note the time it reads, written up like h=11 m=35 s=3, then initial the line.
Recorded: h=11 m=10 s=30
